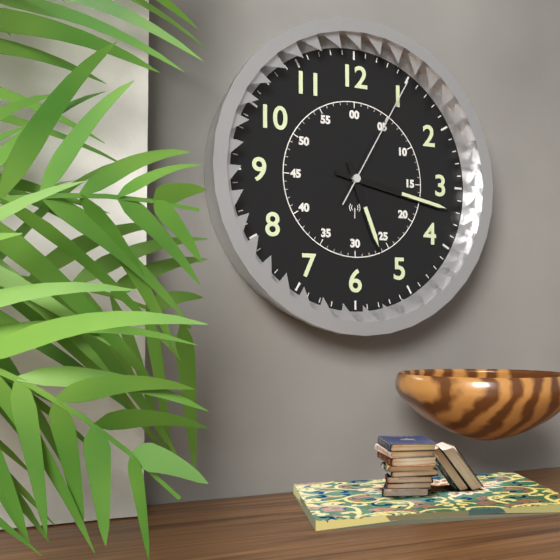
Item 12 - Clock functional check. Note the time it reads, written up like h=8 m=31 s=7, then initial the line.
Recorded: h=5 m=17 s=5
